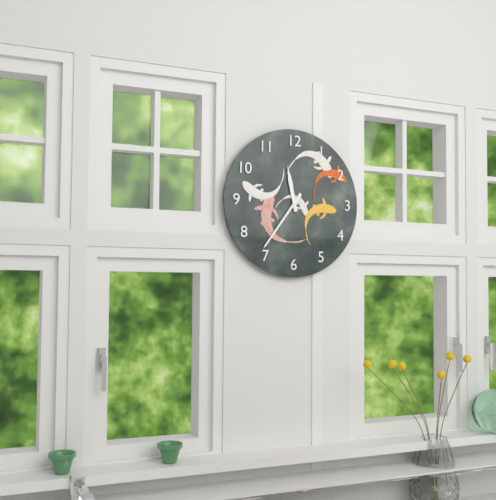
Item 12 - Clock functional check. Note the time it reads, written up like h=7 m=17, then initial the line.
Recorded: h=11 m=36
